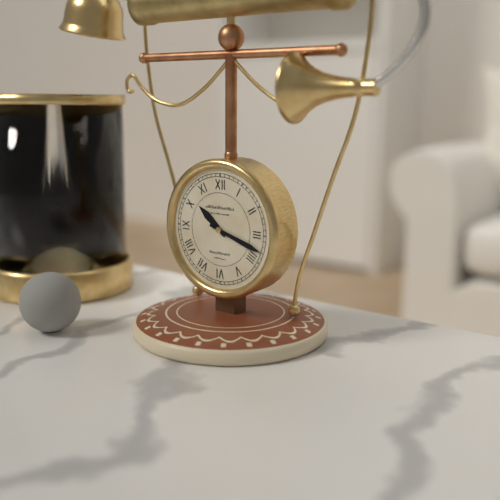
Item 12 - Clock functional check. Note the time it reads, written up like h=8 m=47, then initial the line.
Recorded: h=10 m=18
